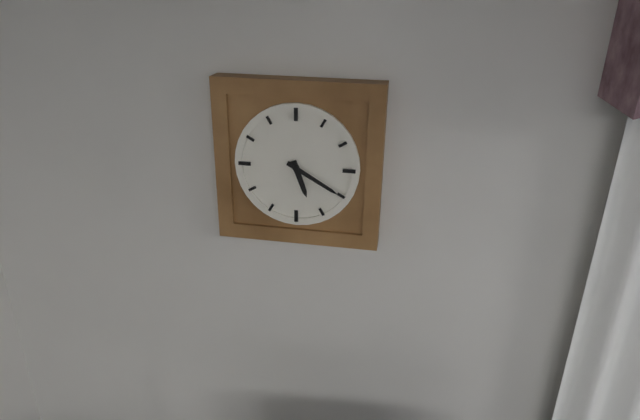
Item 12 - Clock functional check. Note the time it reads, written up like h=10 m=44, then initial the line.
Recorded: h=5 m=20
